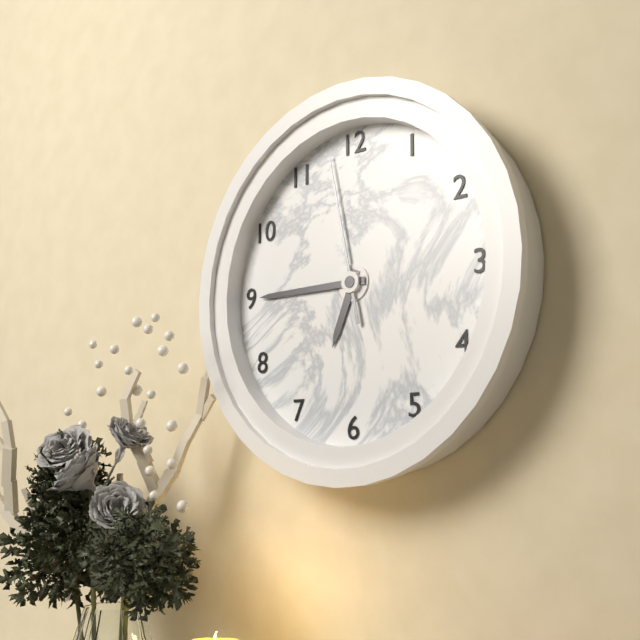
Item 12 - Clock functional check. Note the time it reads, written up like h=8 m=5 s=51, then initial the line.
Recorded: h=6 m=45 s=58
